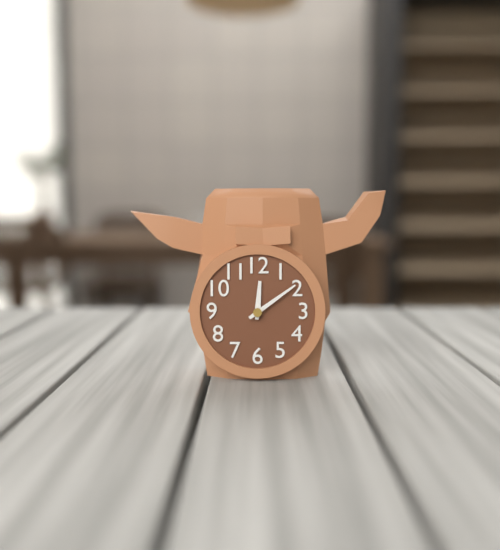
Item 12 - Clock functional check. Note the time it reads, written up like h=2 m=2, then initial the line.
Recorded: h=12 m=9
